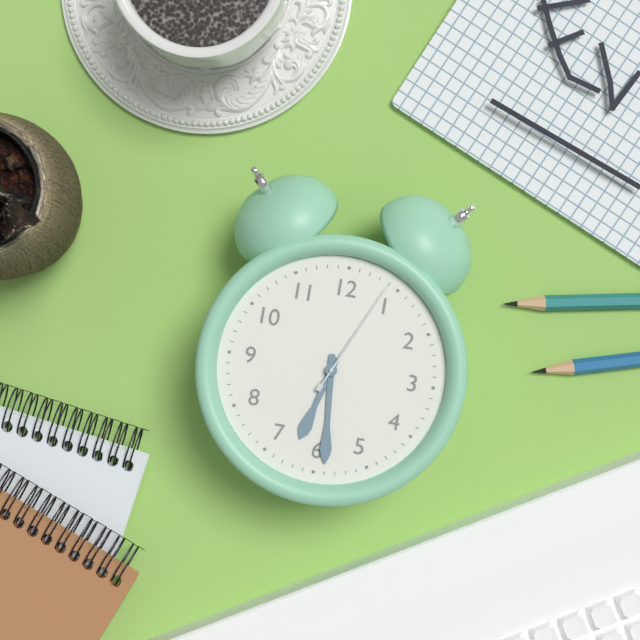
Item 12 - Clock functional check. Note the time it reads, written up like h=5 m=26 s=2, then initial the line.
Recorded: h=6 m=29 s=4
